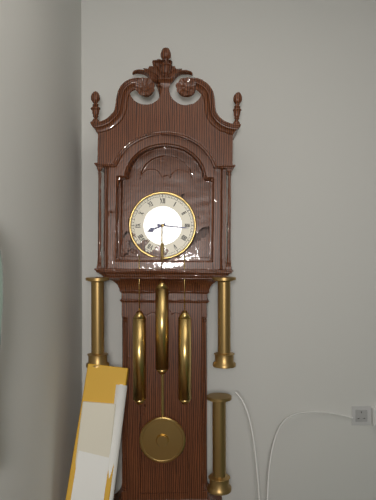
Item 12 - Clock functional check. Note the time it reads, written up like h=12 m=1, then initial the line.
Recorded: h=8 m=16
